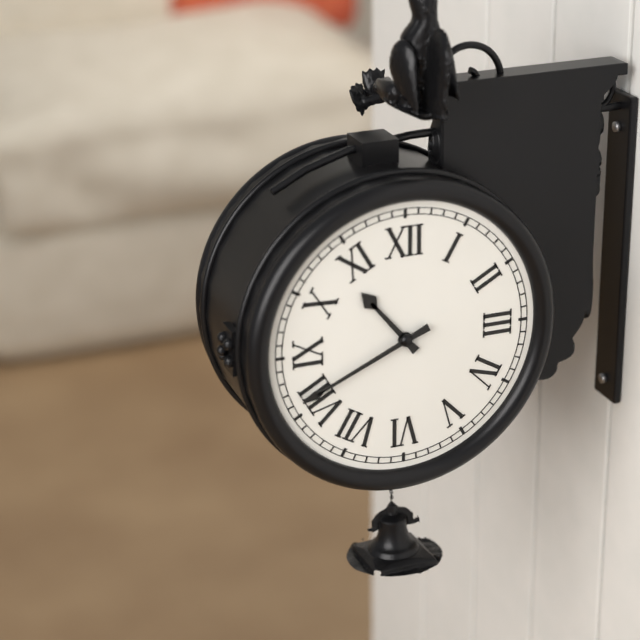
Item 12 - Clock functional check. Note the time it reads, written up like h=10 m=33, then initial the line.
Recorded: h=10 m=41
